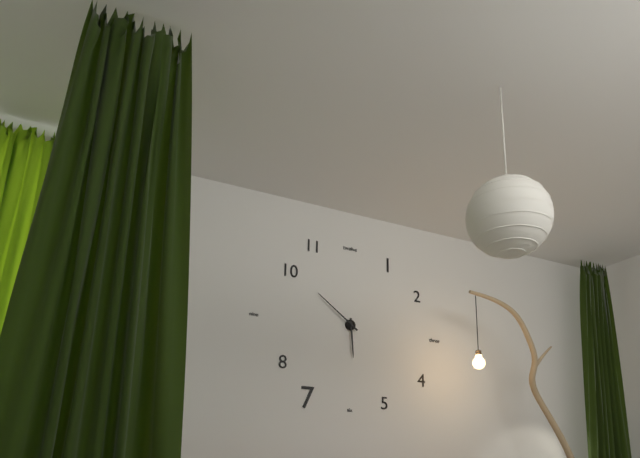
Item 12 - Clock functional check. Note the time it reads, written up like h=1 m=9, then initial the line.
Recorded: h=5 m=51
